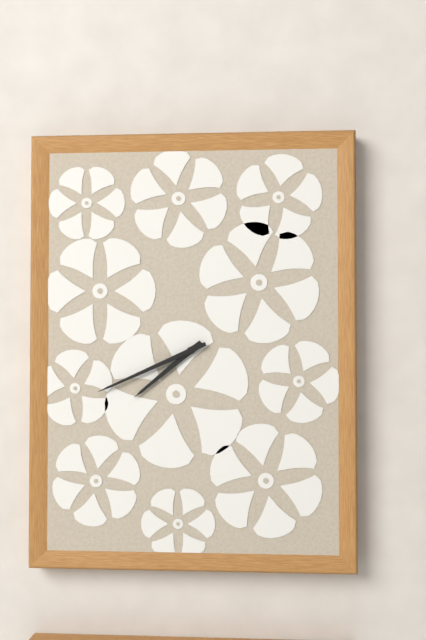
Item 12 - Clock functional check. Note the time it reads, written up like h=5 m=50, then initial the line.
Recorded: h=7 m=41
